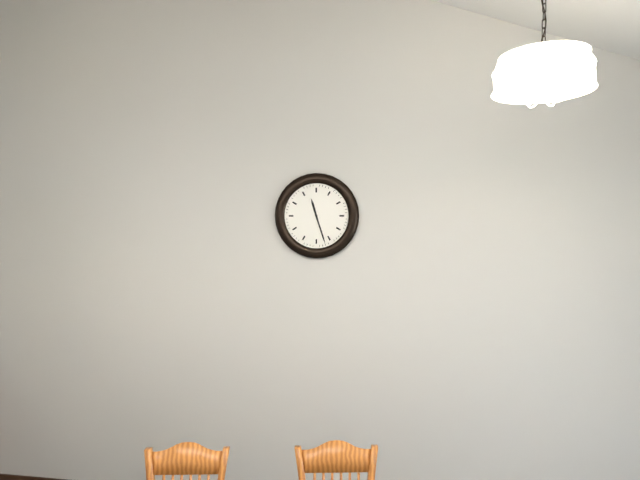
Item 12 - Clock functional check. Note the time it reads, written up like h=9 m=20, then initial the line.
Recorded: h=11 m=27
